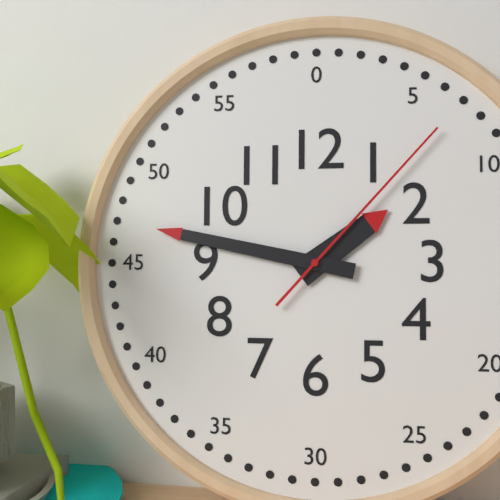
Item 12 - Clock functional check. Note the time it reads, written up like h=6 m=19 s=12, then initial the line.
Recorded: h=1 m=47 s=7
